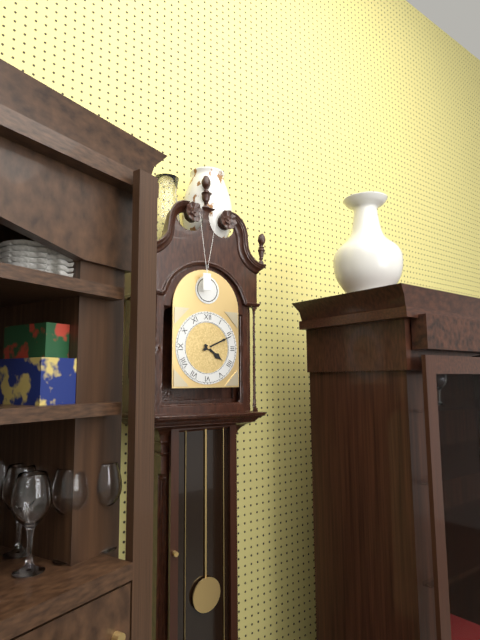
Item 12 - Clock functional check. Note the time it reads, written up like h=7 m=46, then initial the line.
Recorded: h=4 m=11
